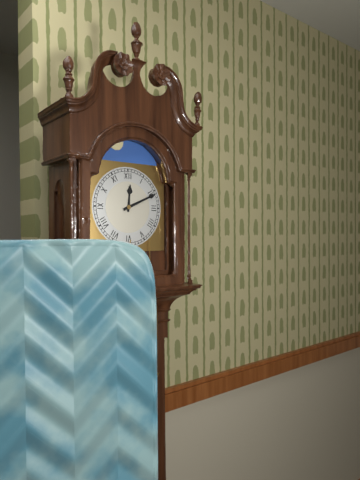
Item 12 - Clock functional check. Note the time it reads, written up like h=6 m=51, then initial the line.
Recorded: h=12 m=11
